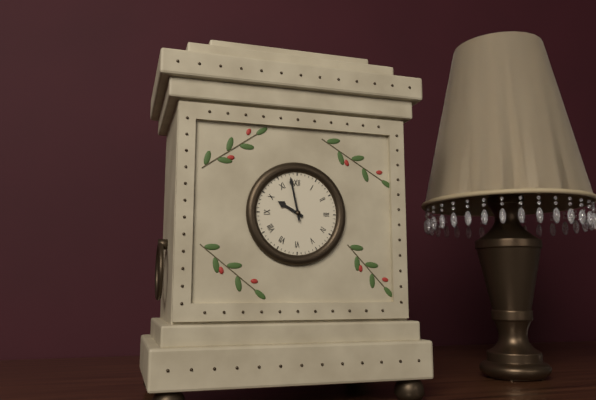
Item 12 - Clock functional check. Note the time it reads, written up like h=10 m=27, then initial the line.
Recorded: h=9 m=58
